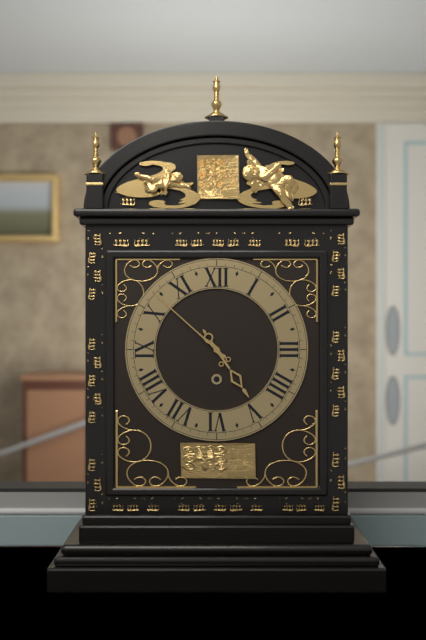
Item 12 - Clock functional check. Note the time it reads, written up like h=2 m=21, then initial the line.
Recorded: h=4 m=52
